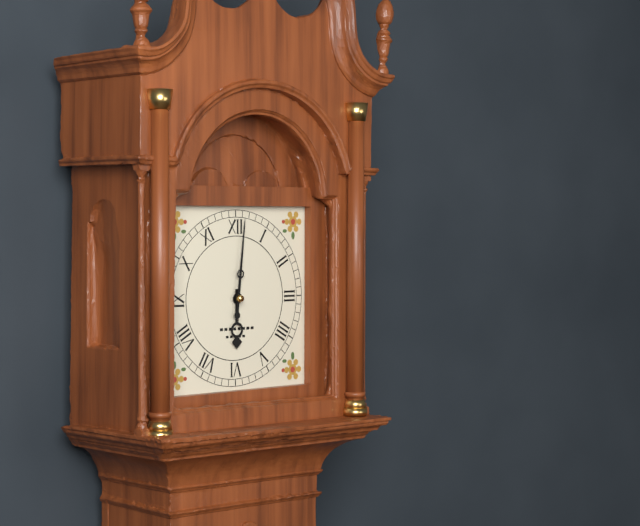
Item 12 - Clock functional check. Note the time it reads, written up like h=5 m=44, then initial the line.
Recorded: h=6 m=1
